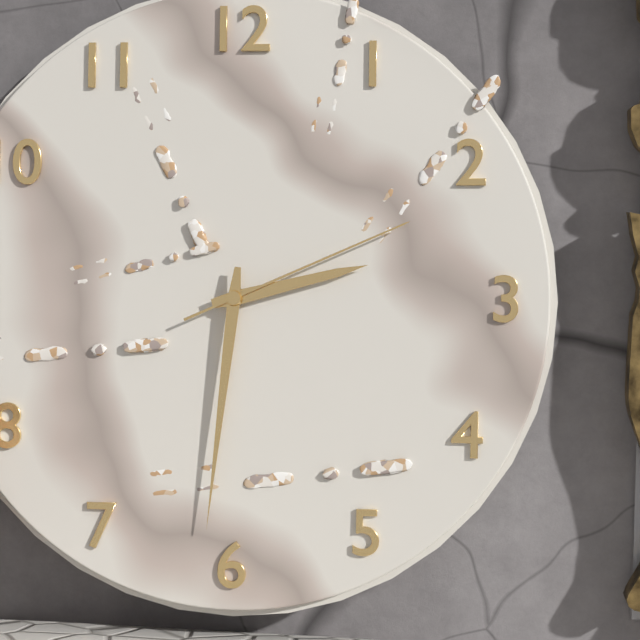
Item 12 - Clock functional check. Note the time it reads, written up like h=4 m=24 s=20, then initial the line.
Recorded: h=2 m=31 s=11
